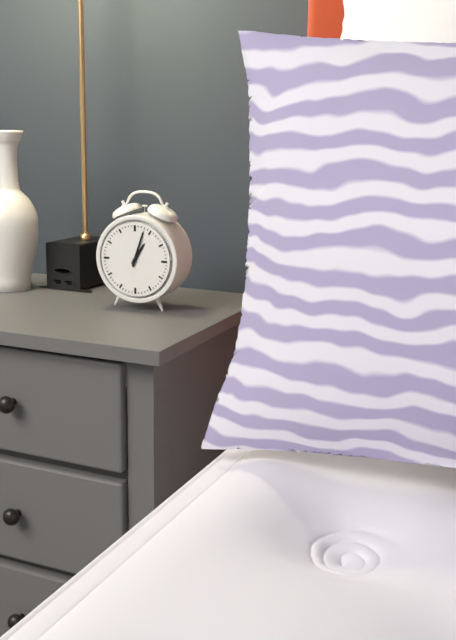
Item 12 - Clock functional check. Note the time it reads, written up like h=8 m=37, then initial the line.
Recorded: h=1 m=3
